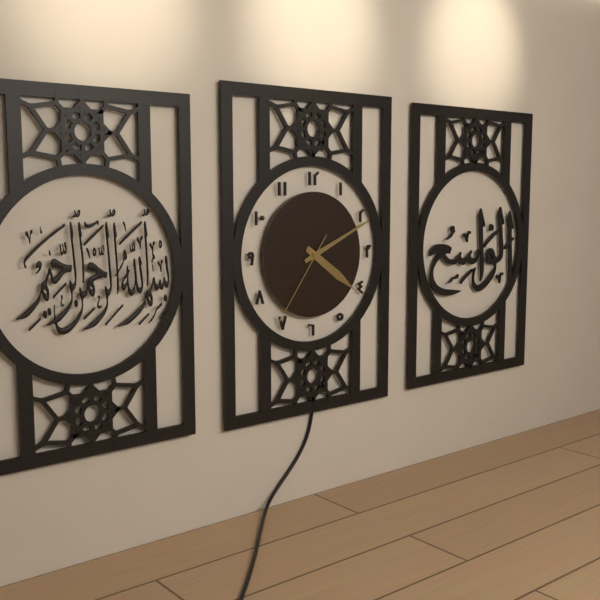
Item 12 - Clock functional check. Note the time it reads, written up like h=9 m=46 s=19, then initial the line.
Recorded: h=4 m=11 s=36
